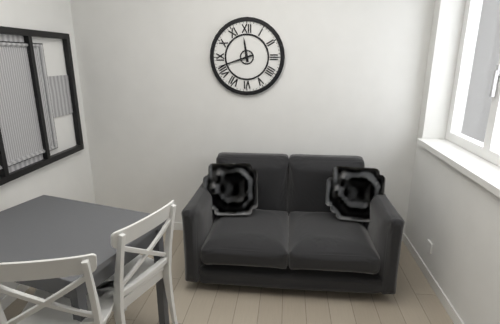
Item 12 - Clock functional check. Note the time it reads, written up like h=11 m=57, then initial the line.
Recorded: h=11 m=42
